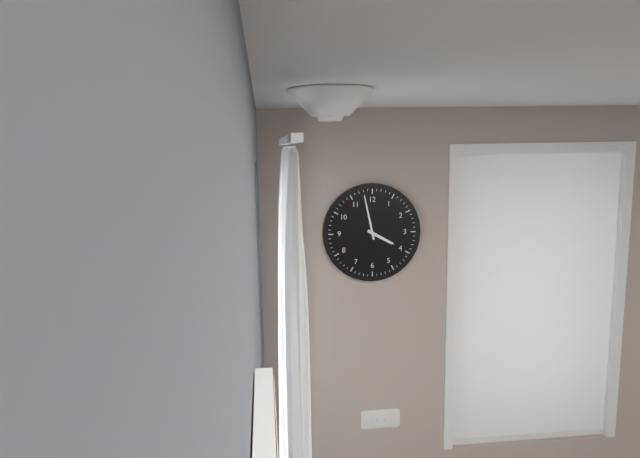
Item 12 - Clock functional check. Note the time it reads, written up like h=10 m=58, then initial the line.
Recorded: h=3 m=58
